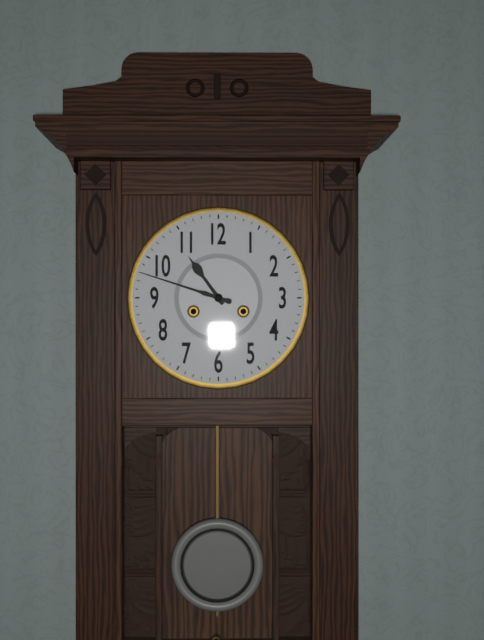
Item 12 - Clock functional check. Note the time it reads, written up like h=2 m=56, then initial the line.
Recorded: h=10 m=48
